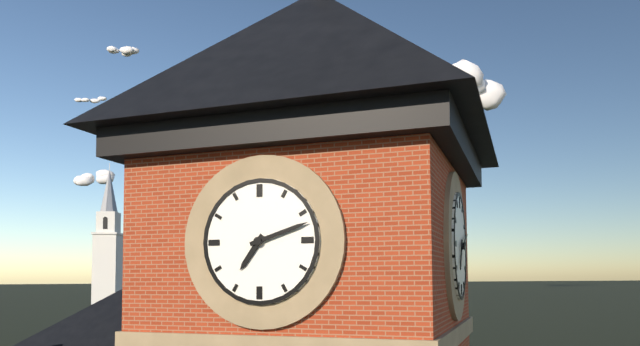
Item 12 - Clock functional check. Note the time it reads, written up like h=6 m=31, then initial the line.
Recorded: h=7 m=12
